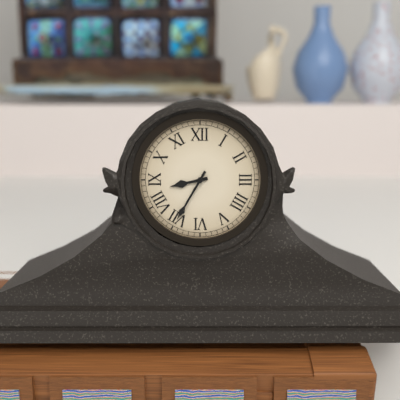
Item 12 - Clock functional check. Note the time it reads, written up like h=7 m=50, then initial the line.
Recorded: h=8 m=35
